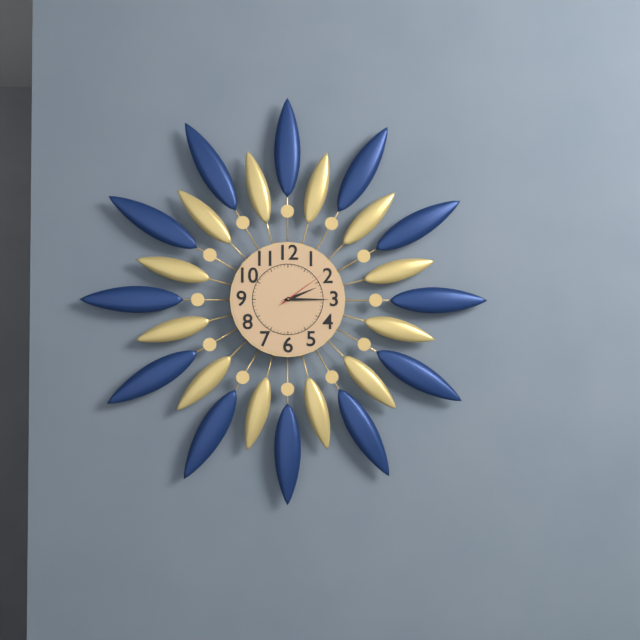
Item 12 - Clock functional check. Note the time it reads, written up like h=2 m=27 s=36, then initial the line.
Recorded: h=2 m=15 s=9
